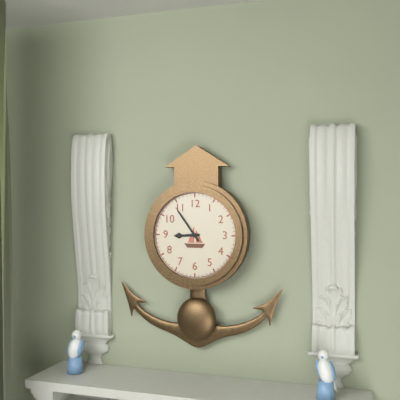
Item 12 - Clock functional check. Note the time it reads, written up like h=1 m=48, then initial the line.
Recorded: h=8 m=54
